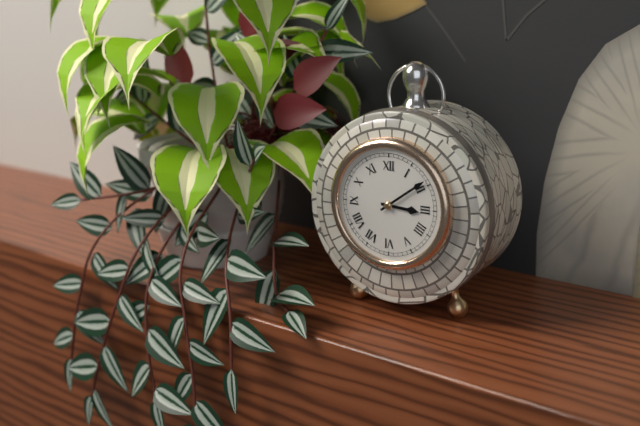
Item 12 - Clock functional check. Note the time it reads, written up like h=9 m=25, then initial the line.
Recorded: h=3 m=9
